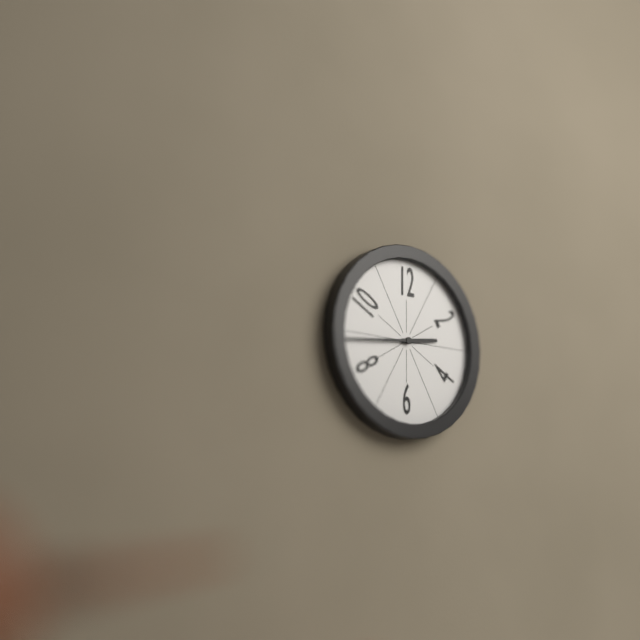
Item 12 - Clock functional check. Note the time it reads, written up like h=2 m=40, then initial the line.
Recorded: h=2 m=44
